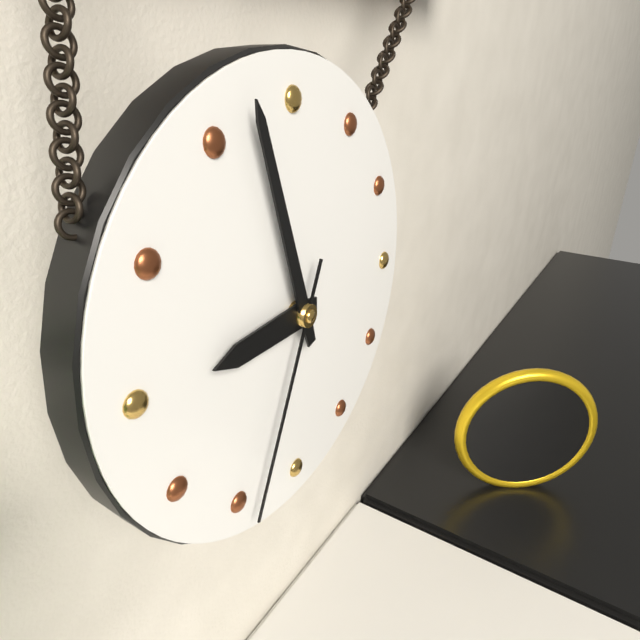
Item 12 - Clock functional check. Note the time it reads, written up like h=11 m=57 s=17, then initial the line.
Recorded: h=8 m=57 s=34
